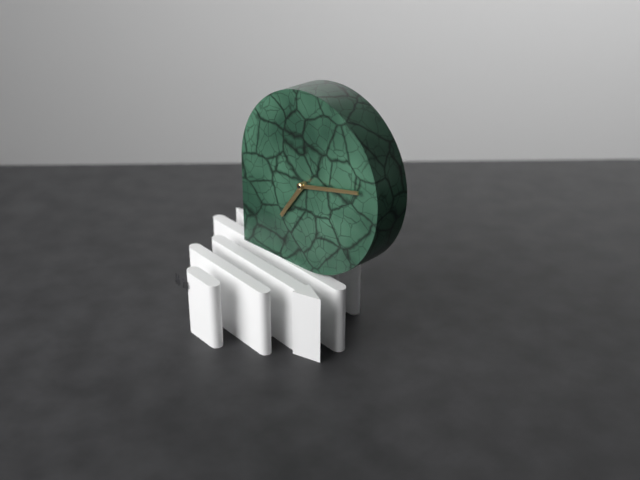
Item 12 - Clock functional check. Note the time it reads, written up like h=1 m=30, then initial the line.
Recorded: h=7 m=13
